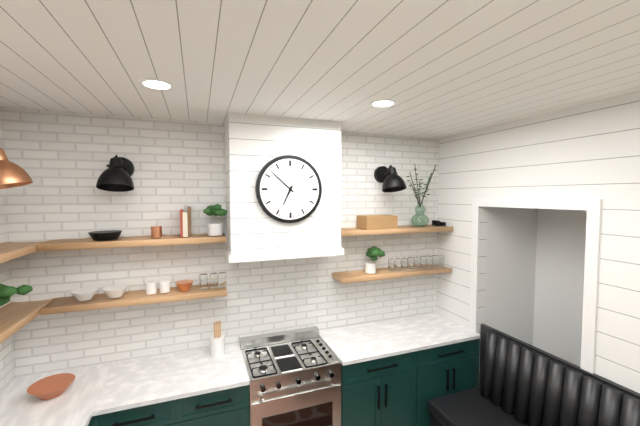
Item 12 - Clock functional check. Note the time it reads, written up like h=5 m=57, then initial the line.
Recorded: h=6 m=52
